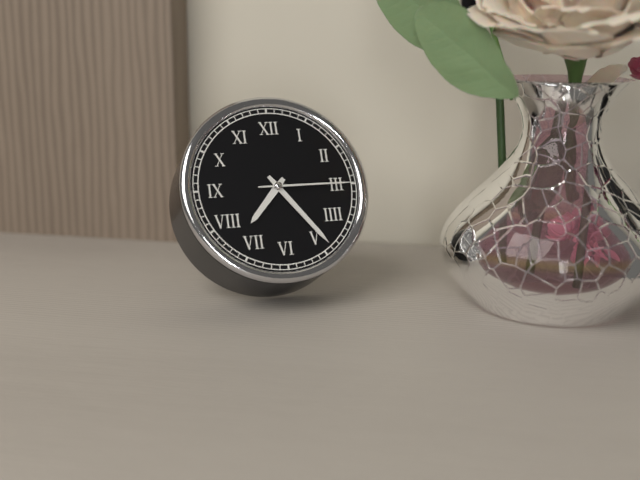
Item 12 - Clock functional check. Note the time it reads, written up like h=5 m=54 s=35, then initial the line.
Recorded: h=7 m=24 s=15
